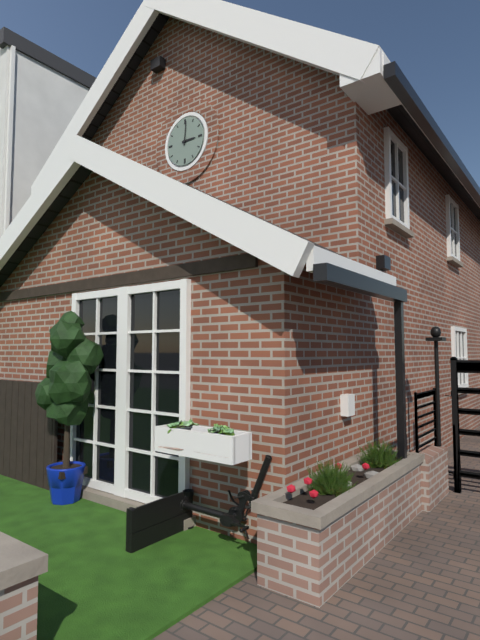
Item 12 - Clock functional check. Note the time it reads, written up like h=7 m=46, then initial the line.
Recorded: h=3 m=1
